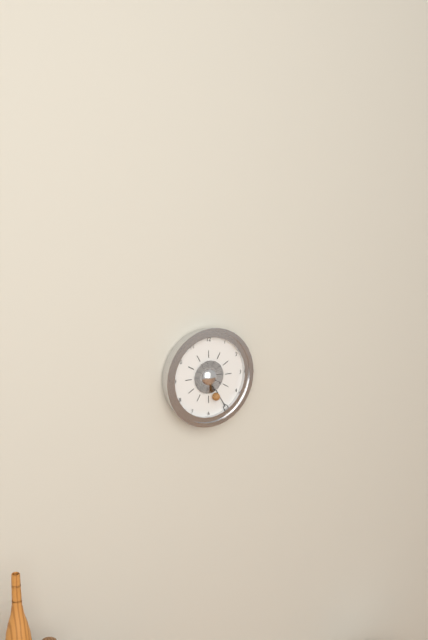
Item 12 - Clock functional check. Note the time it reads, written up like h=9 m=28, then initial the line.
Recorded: h=5 m=25
